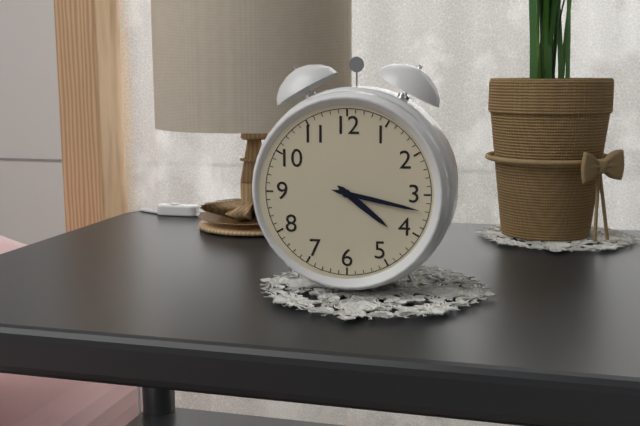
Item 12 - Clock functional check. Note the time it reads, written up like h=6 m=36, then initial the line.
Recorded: h=4 m=17
